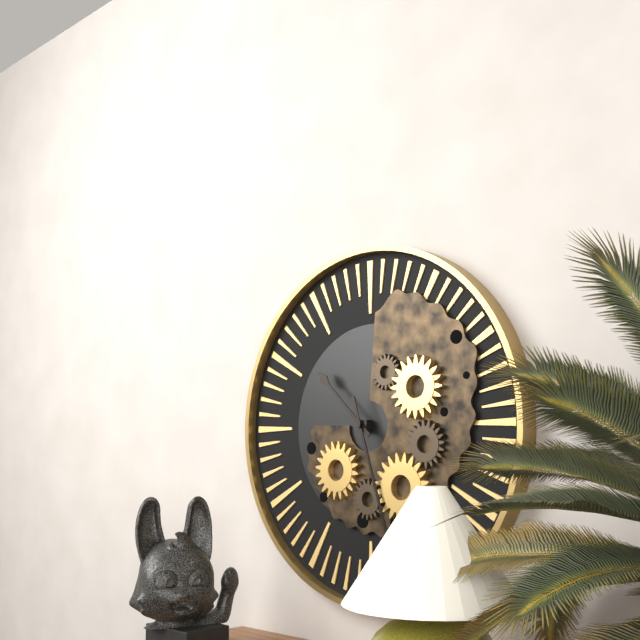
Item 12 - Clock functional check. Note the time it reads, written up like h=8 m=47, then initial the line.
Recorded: h=10 m=27
